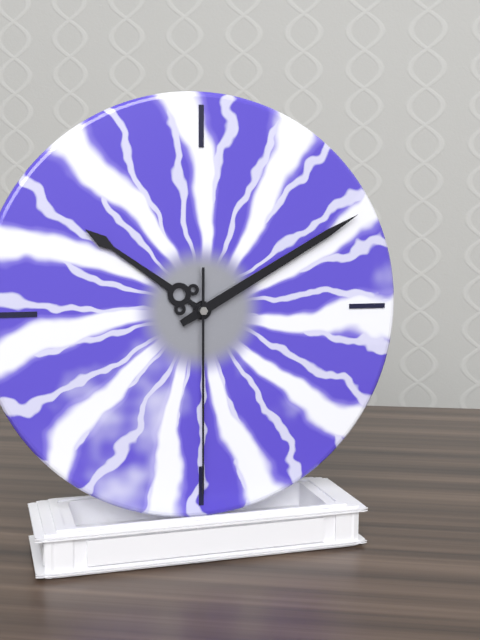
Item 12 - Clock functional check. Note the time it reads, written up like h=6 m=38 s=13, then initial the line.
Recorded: h=10 m=10 s=30
